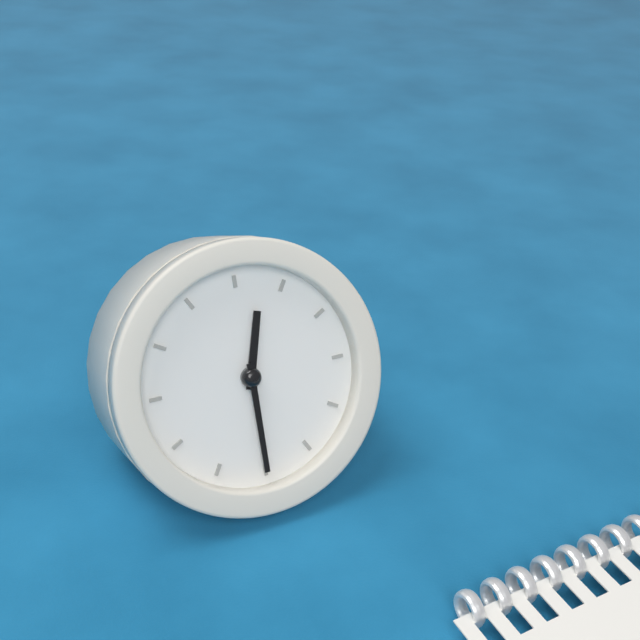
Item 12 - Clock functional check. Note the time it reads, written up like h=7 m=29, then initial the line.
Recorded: h=12 m=30
